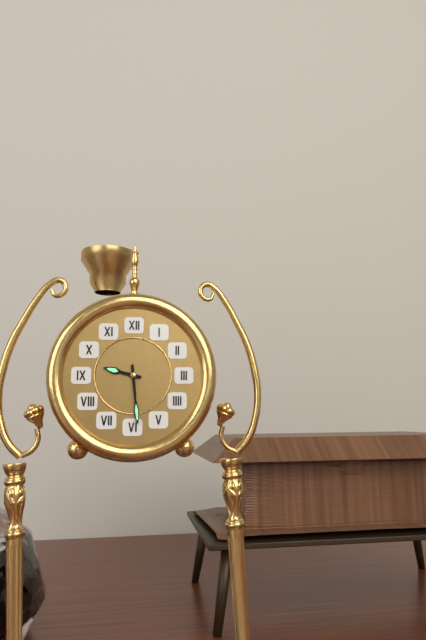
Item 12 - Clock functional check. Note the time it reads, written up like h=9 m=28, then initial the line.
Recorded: h=9 m=29
